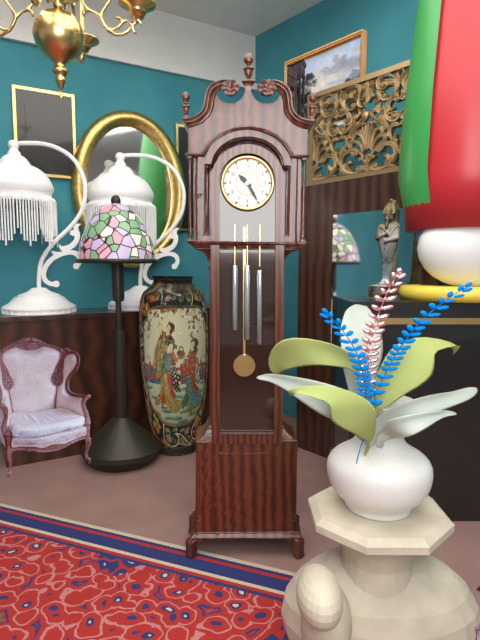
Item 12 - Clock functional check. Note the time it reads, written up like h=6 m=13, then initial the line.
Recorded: h=10 m=25
